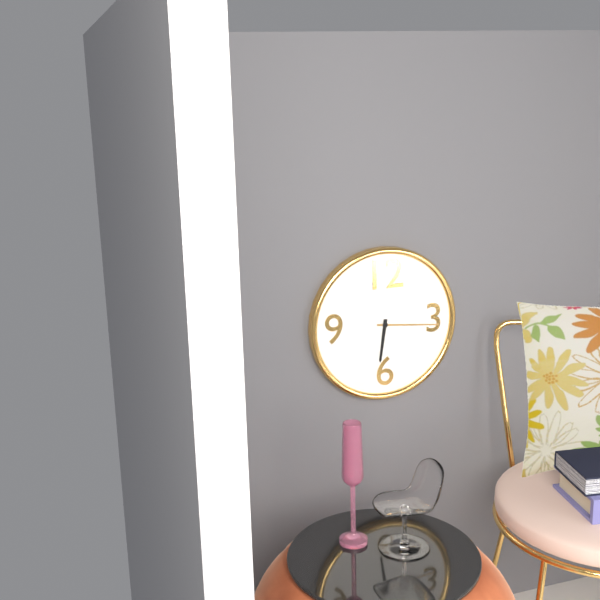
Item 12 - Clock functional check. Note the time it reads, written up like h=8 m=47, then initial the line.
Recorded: h=6 m=16
